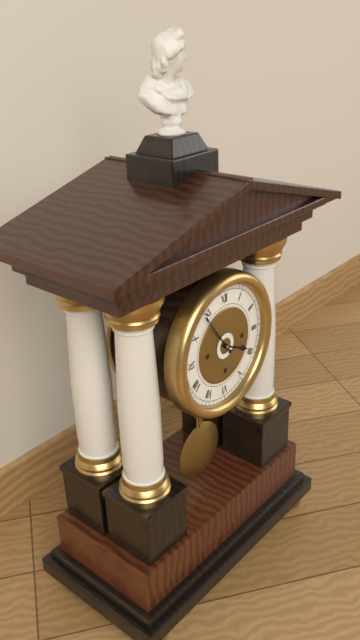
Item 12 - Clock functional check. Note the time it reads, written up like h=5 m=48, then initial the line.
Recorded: h=3 m=54
